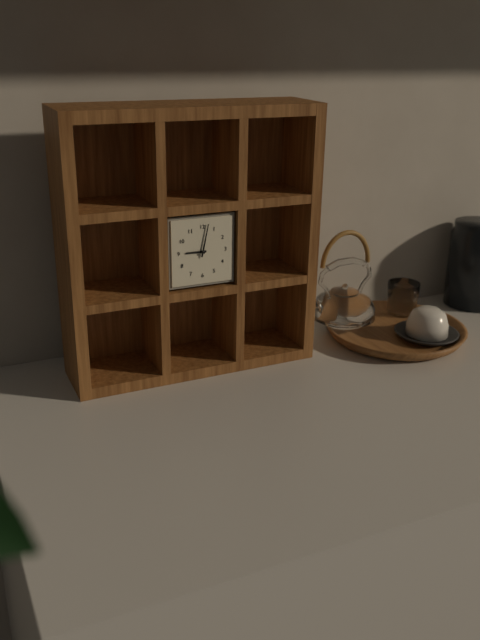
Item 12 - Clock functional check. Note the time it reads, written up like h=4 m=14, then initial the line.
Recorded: h=9 m=2
